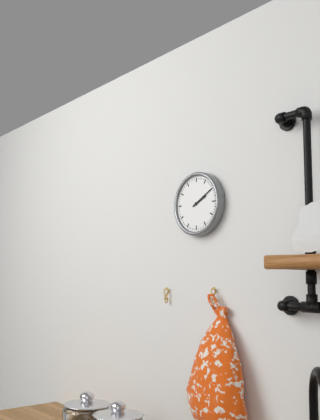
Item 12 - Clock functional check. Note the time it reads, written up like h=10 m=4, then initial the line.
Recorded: h=2 m=10
